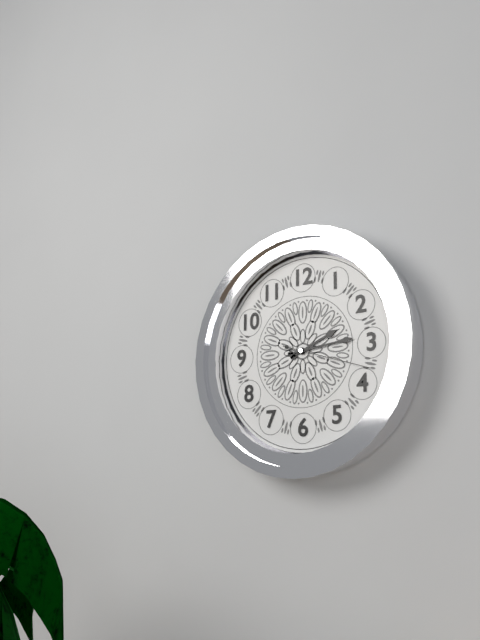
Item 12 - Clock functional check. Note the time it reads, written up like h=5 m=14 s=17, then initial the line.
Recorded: h=2 m=14 s=18
